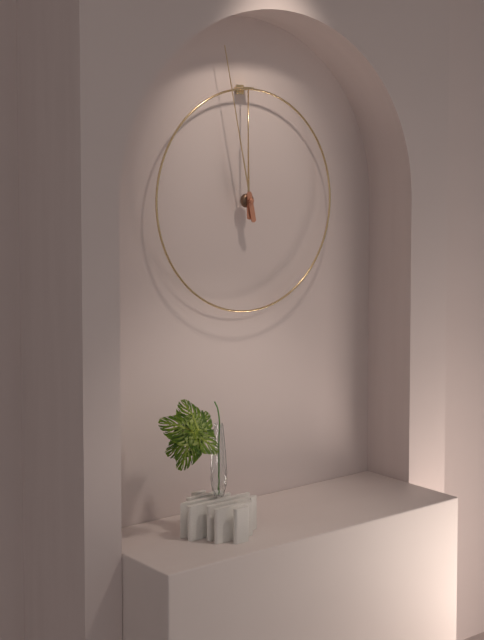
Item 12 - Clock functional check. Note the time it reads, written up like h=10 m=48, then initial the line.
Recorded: h=11 m=58
